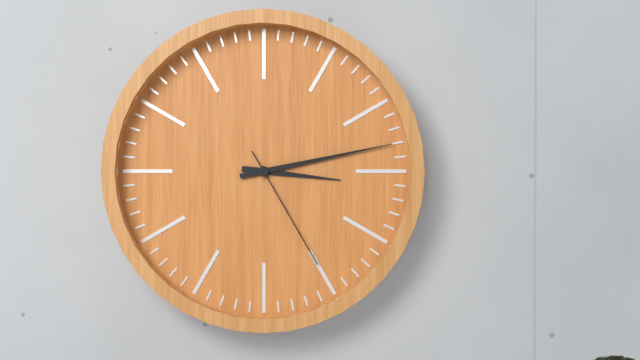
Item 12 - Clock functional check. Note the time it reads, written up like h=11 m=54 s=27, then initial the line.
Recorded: h=3 m=13 s=25
